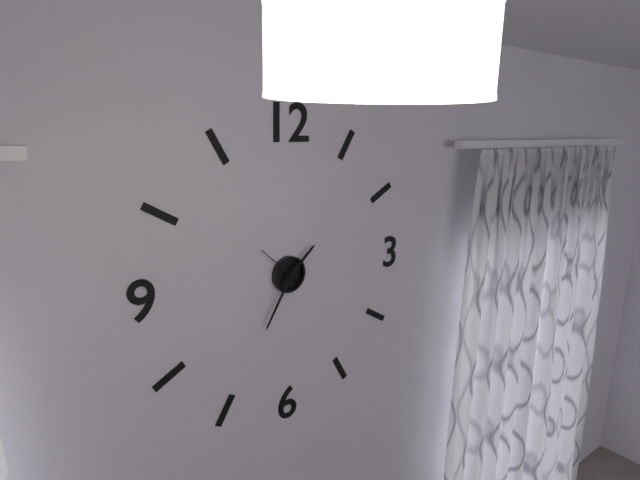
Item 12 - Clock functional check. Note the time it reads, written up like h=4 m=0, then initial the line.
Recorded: h=1 m=35
